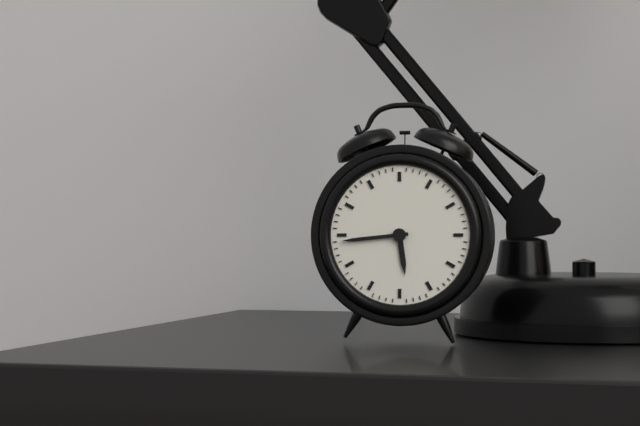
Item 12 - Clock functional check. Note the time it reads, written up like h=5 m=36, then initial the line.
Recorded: h=5 m=44
